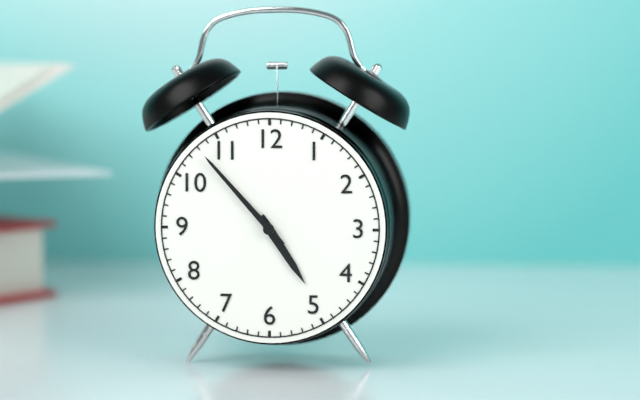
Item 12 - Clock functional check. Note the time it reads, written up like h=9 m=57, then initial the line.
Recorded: h=4 m=53
